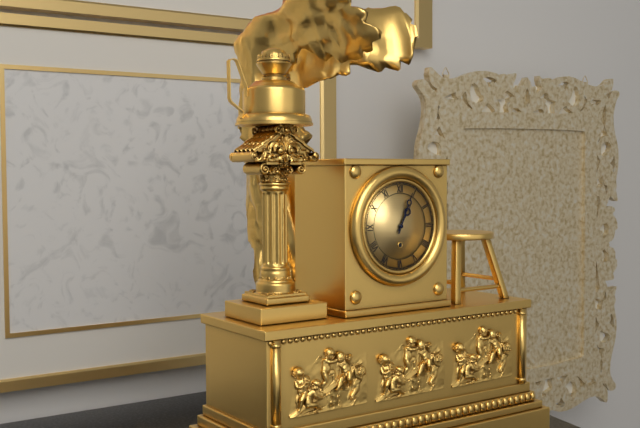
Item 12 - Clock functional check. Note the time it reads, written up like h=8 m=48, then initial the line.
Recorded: h=1 m=4
